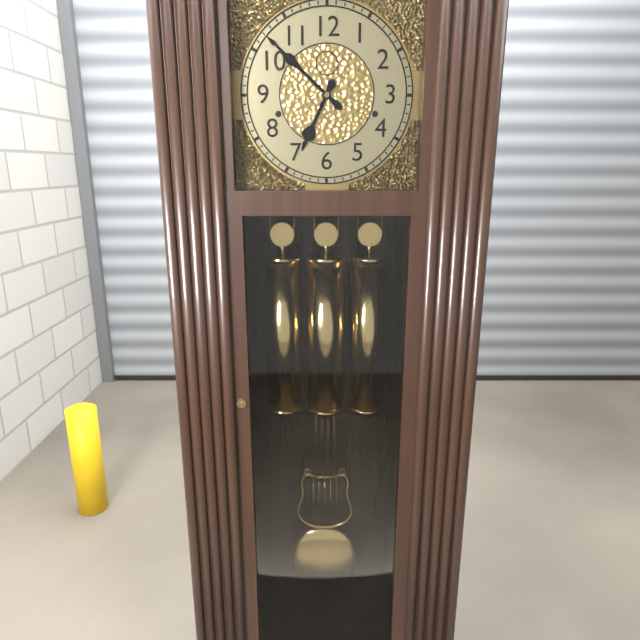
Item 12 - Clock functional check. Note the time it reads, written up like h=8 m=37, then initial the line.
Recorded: h=6 m=52
